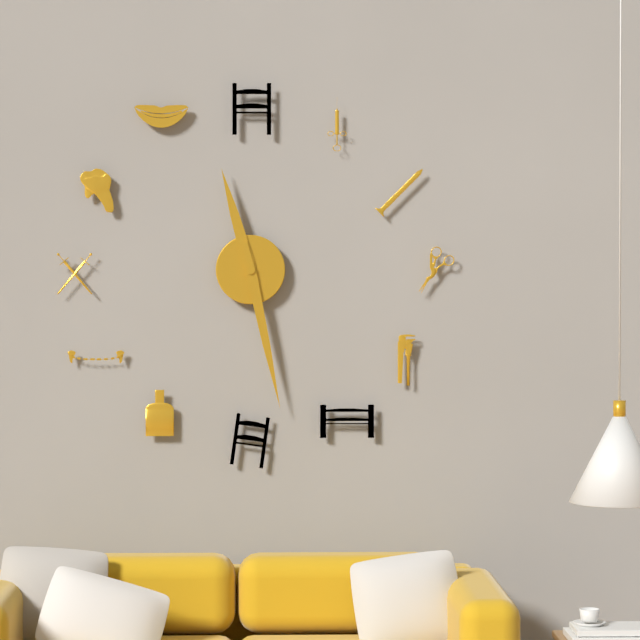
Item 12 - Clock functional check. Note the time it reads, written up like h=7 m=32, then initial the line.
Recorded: h=11 m=28
